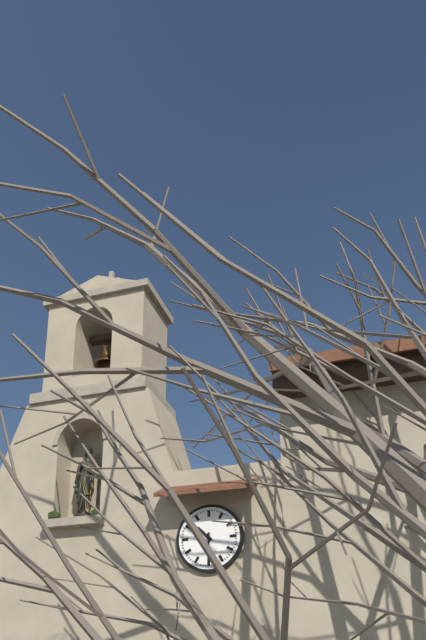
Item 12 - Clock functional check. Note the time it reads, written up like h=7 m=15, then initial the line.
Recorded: h=10 m=30
